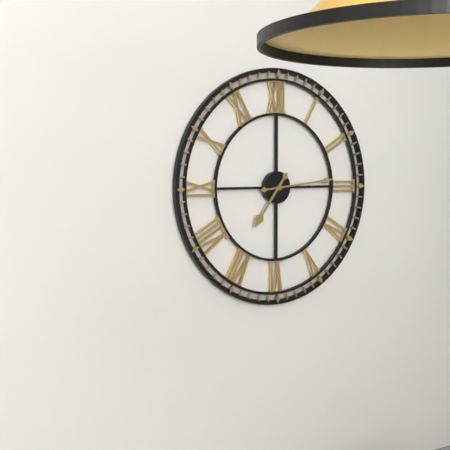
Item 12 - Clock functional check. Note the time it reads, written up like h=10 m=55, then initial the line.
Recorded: h=7 m=14
